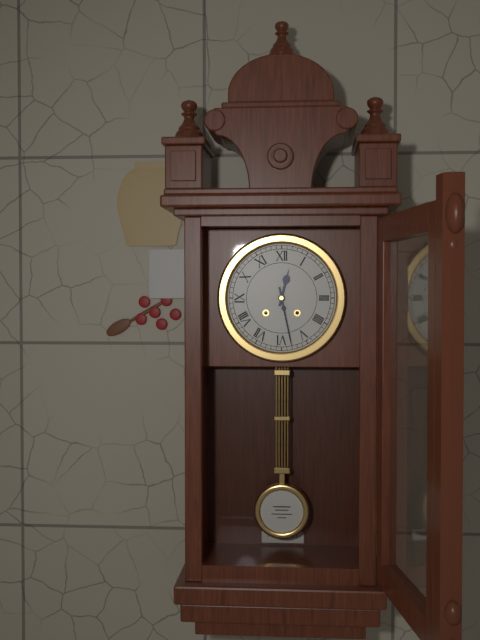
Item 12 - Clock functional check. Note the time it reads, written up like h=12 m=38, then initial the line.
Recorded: h=12 m=28
